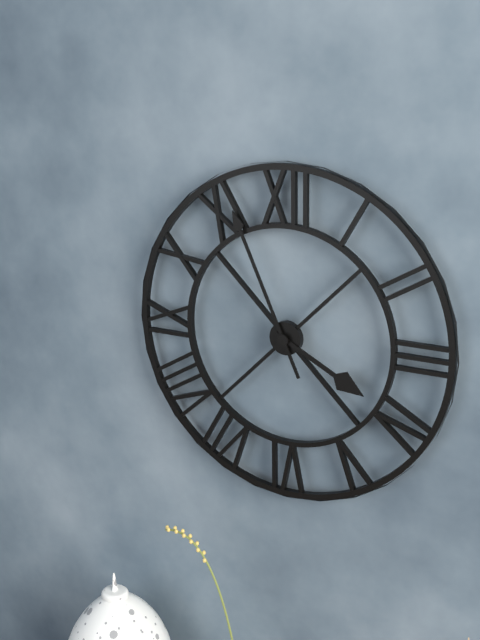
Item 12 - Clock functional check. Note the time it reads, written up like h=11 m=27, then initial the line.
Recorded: h=3 m=56
